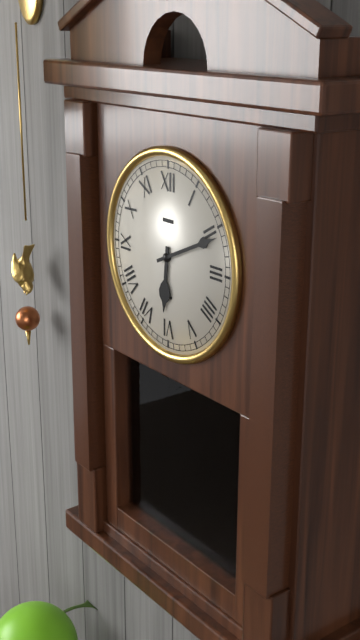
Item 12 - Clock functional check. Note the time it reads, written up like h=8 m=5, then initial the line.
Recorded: h=6 m=11
